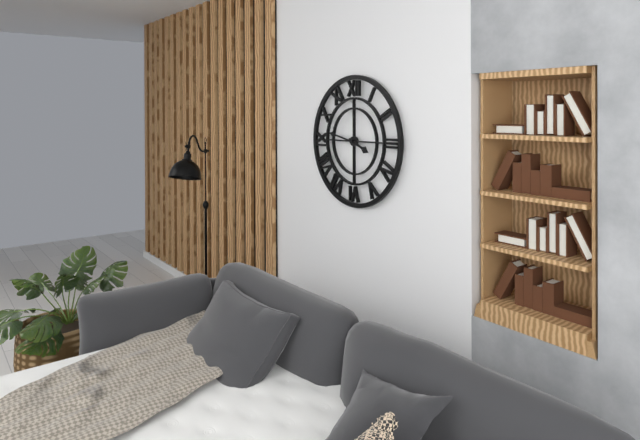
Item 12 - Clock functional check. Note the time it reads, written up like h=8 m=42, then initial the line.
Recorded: h=3 m=47
